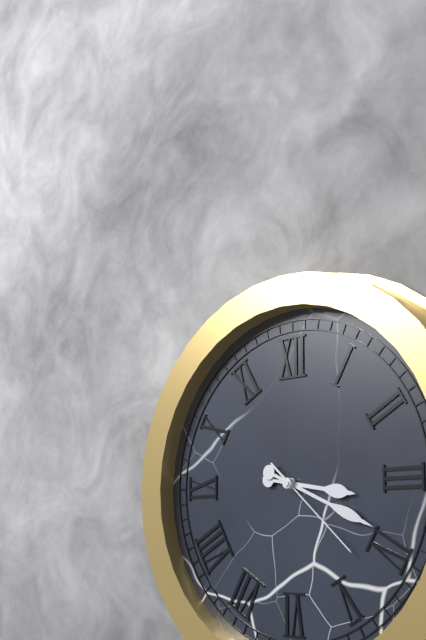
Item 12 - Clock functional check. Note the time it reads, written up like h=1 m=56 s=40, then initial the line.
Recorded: h=3 m=19 s=22
